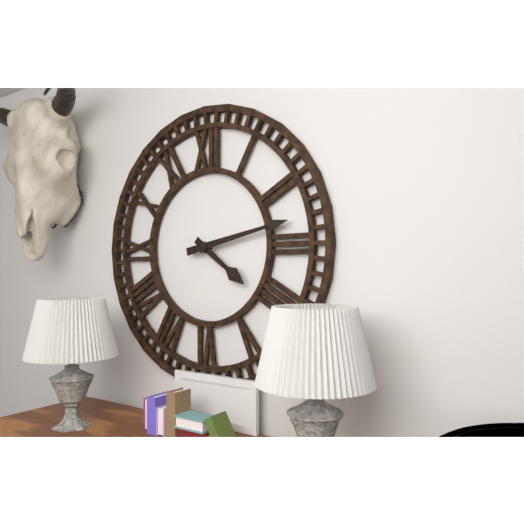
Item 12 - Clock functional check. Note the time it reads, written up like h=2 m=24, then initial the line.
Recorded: h=4 m=13
